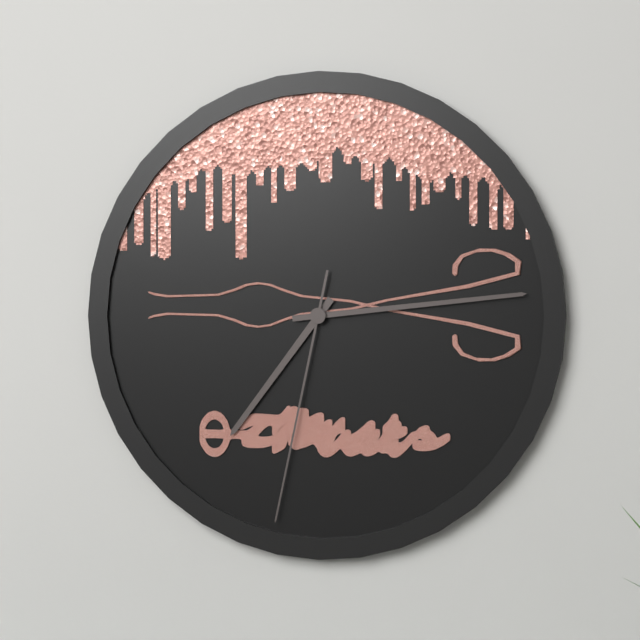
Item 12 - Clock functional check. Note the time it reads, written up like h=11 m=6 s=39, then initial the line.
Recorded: h=7 m=14 s=32
